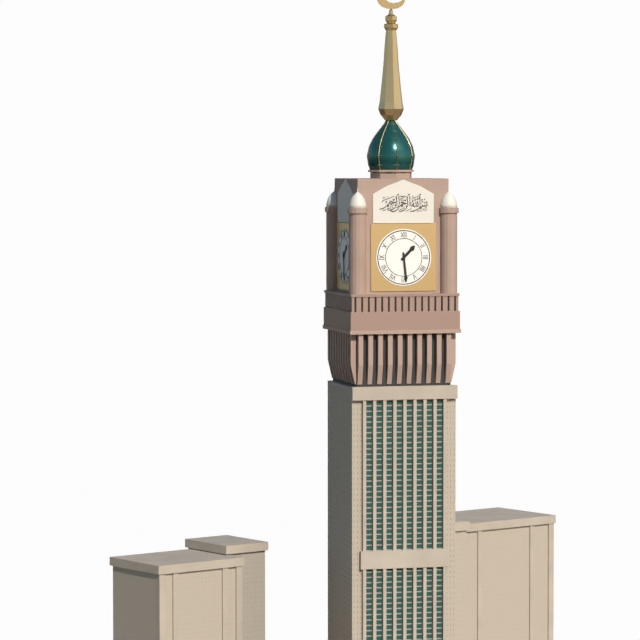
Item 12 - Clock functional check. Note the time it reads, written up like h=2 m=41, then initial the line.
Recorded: h=1 m=29
